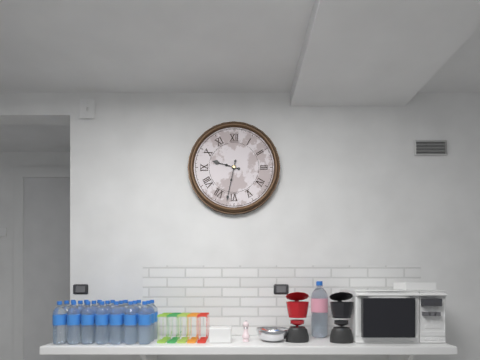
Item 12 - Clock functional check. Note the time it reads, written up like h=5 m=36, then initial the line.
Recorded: h=9 m=32
